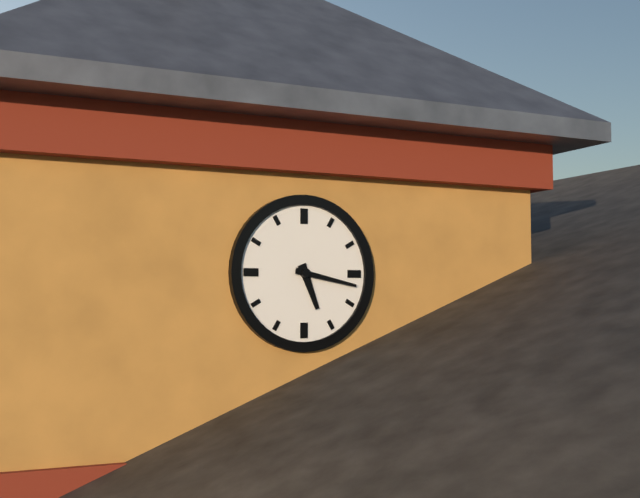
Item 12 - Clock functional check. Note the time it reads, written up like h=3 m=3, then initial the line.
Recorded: h=5 m=17
